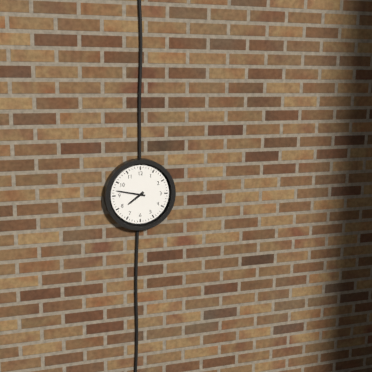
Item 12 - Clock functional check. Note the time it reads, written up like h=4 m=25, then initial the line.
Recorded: h=7 m=47
